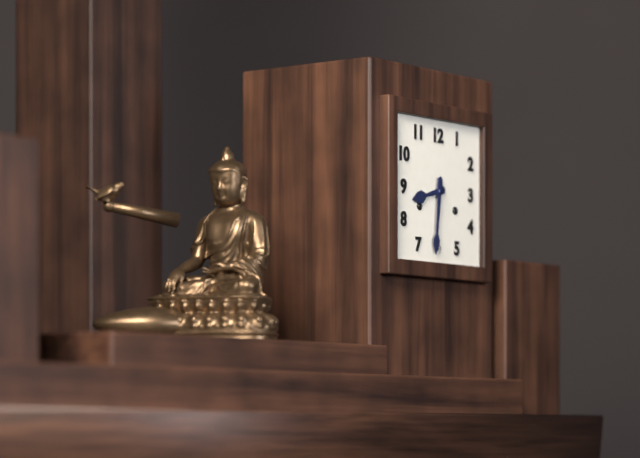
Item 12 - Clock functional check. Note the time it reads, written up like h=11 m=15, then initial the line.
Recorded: h=8 m=31
